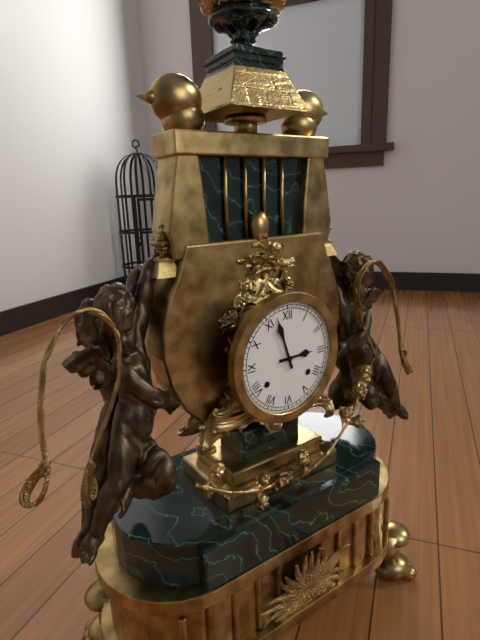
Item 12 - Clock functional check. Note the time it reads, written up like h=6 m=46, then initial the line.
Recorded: h=2 m=57
